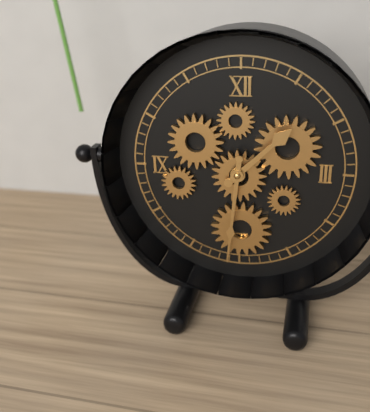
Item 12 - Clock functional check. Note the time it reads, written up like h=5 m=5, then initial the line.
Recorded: h=1 m=31
